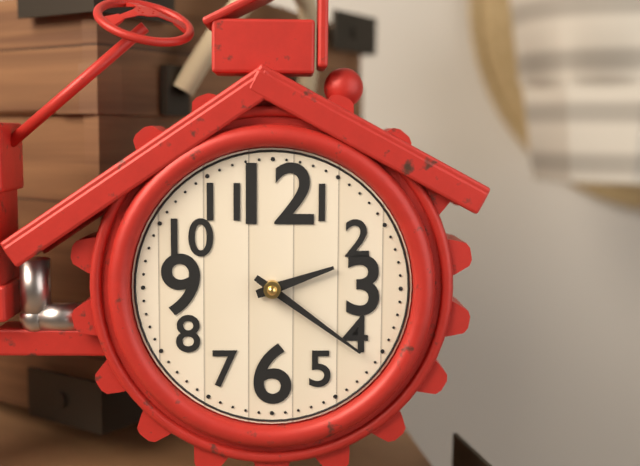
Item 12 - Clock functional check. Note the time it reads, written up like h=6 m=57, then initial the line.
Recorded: h=2 m=21
